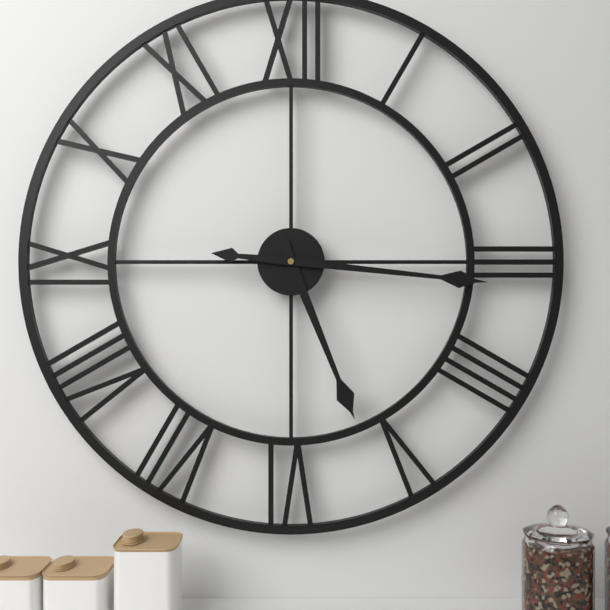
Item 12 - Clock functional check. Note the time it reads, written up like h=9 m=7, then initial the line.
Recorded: h=5 m=16
